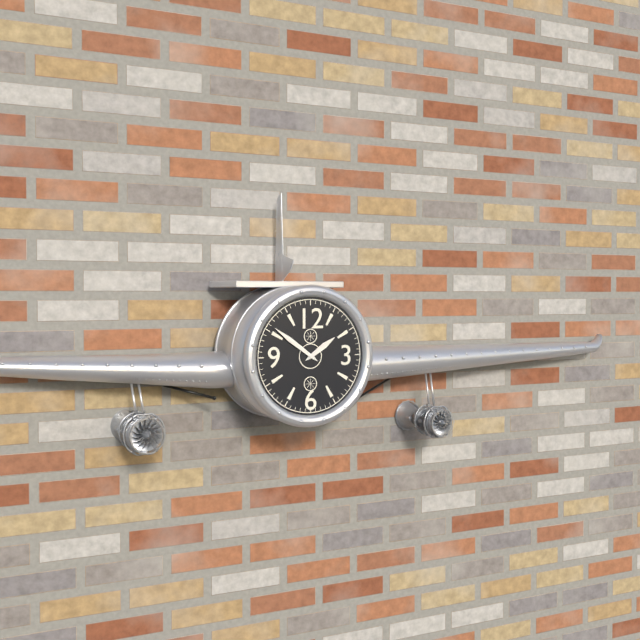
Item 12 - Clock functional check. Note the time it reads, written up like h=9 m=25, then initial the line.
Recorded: h=1 m=51
